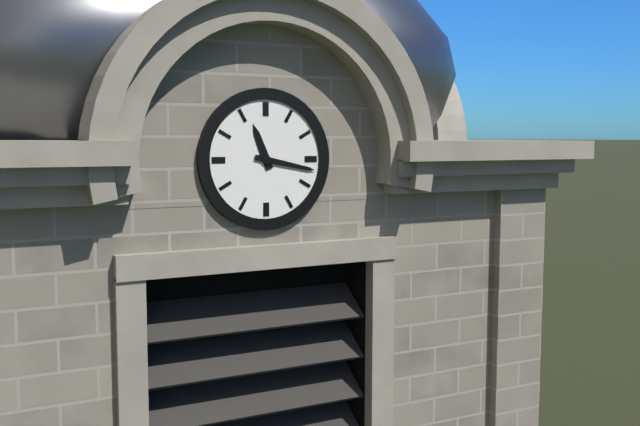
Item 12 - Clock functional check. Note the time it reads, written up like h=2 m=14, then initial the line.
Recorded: h=11 m=17
